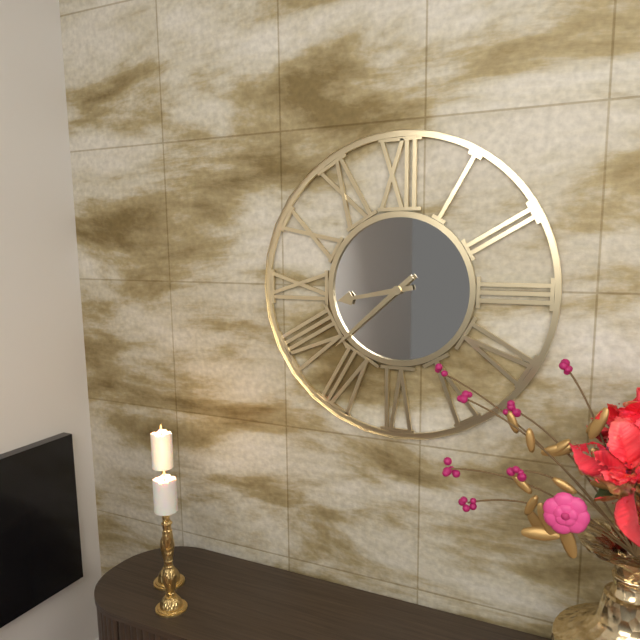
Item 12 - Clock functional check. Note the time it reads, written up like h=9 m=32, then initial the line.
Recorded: h=8 m=38
